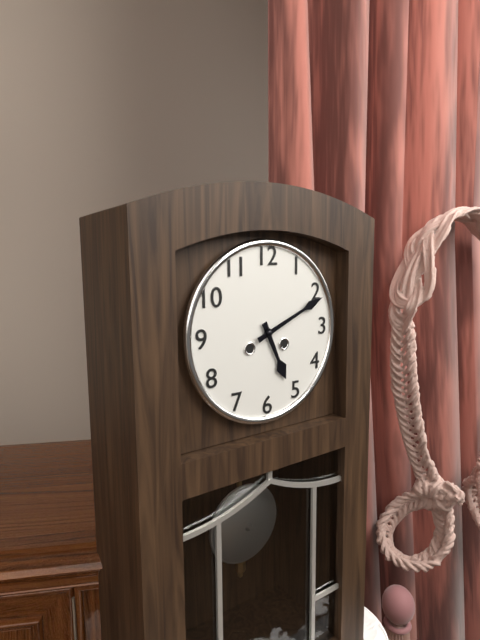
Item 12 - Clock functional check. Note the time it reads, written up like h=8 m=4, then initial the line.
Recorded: h=5 m=11
